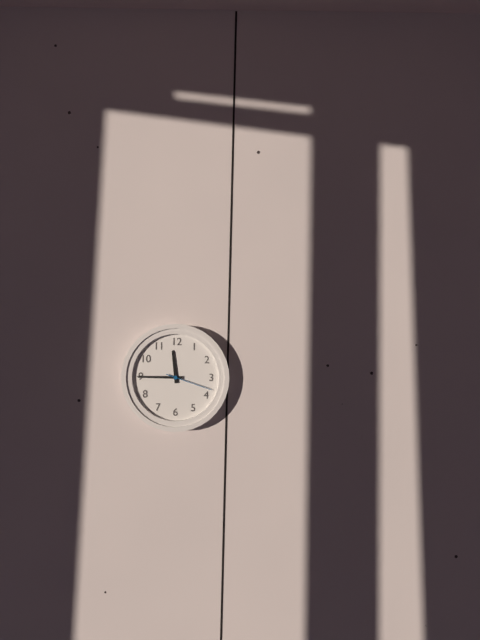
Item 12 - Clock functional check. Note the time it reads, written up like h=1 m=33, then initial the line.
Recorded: h=11 m=45
